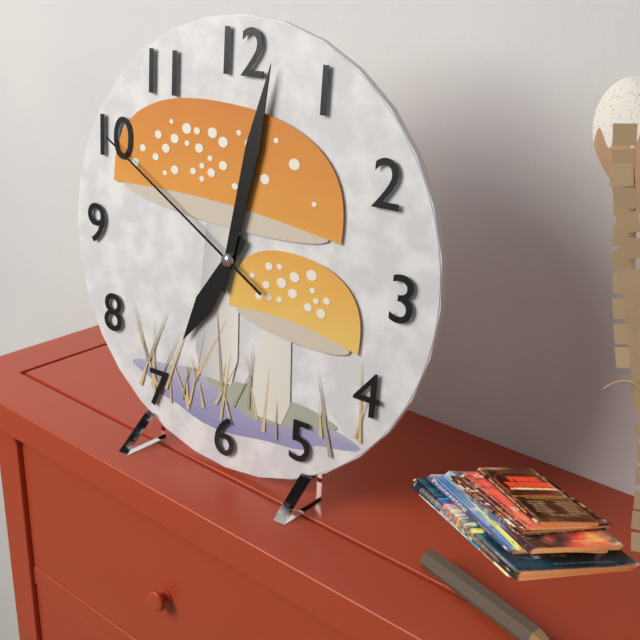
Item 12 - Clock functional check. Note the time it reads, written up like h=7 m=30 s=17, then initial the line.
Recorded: h=7 m=2 s=50
